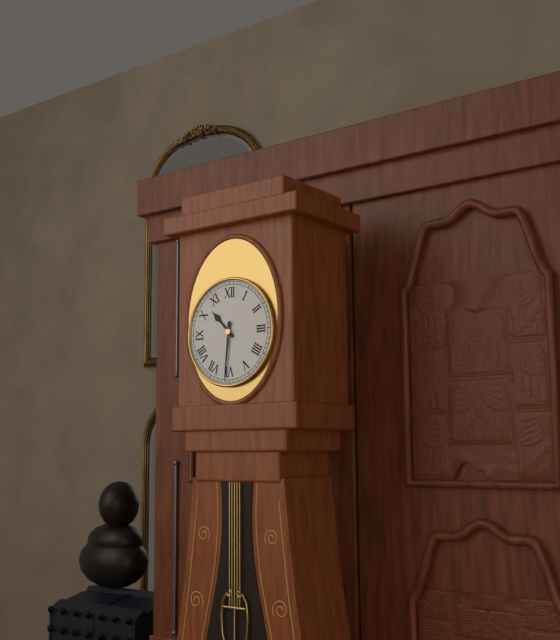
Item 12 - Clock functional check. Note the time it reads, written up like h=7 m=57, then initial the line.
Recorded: h=10 m=31
